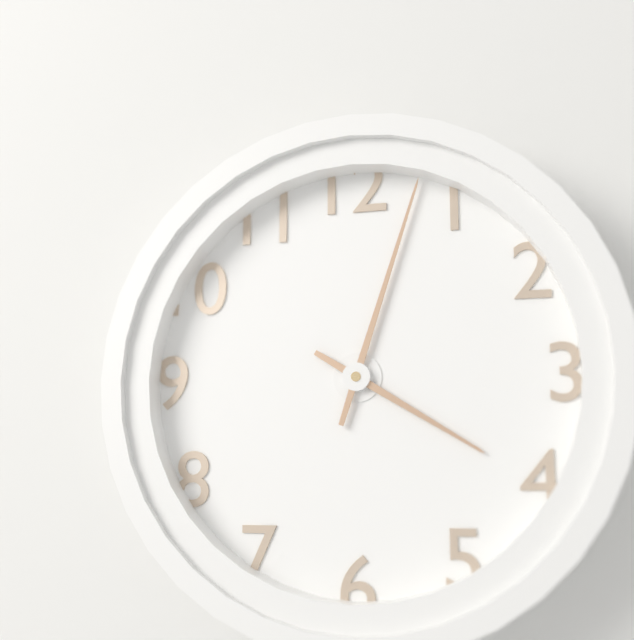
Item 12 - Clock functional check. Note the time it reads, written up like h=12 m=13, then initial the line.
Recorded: h=4 m=3
